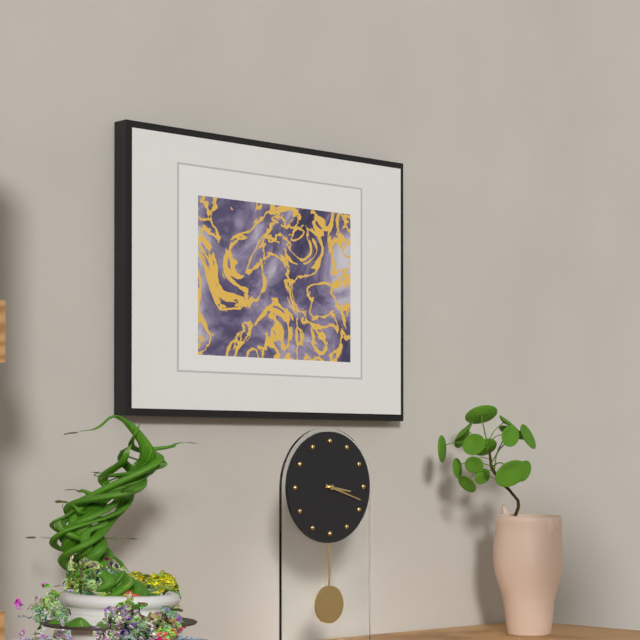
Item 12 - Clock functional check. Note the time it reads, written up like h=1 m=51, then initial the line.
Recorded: h=3 m=18
